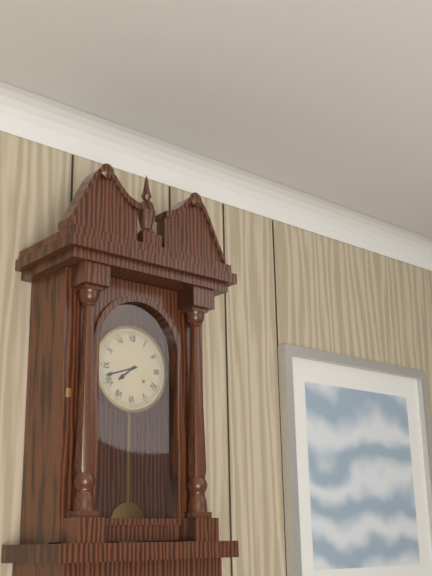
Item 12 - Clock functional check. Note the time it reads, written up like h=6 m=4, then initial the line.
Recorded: h=7 m=42
